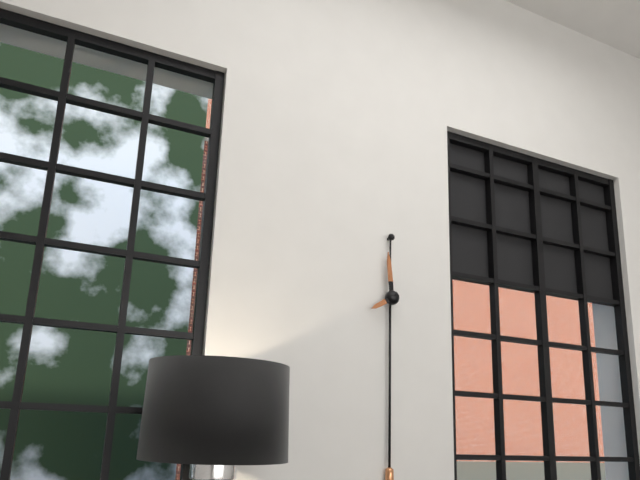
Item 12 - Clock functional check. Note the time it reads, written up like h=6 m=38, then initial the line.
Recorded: h=7 m=59
